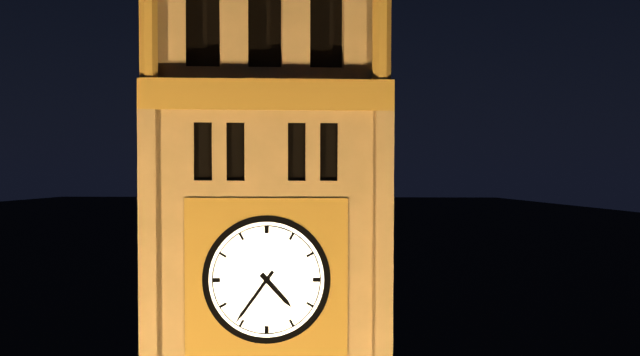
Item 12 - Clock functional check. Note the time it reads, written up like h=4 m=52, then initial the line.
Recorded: h=4 m=36
